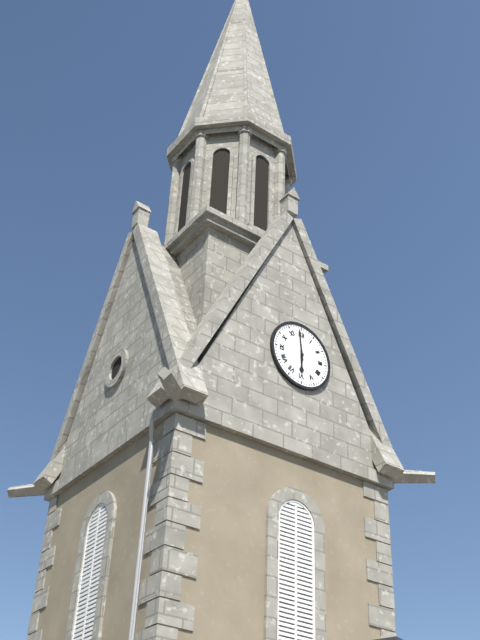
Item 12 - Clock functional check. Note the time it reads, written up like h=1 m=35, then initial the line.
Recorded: h=5 m=59
